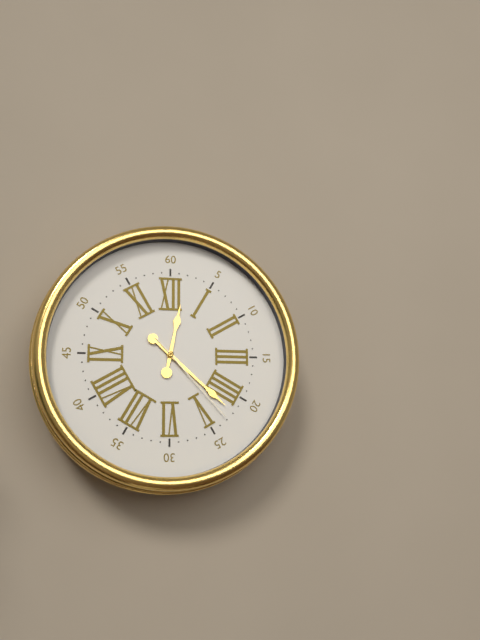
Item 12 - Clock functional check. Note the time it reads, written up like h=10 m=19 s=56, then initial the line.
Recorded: h=12 m=22 s=23
